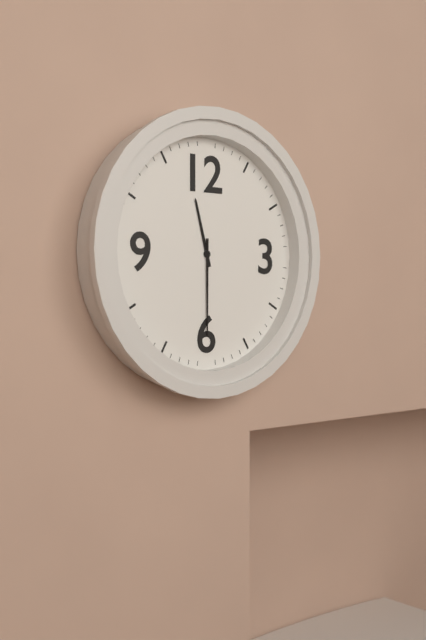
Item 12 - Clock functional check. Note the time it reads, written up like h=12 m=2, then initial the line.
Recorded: h=11 m=30
